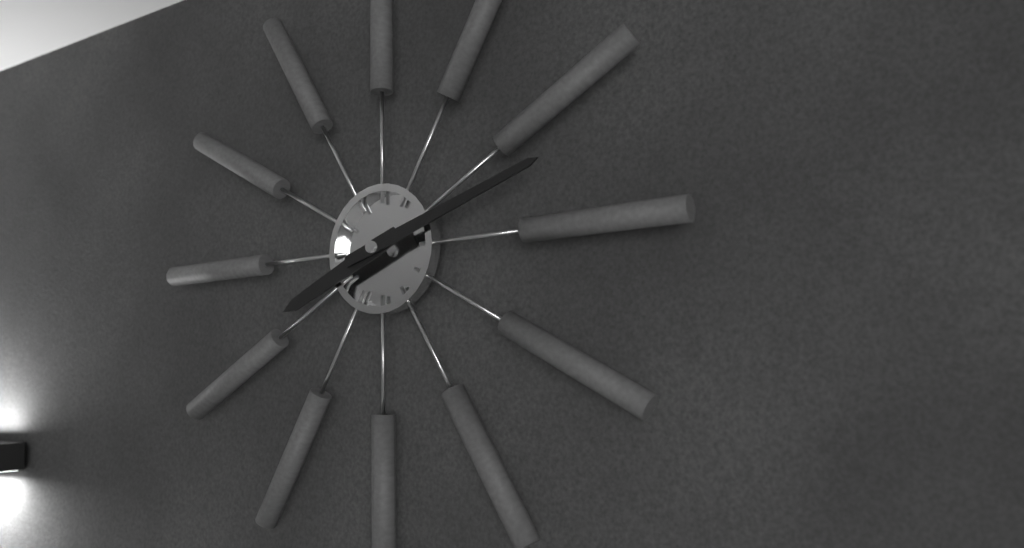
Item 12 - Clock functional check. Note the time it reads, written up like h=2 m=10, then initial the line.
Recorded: h=8 m=12
